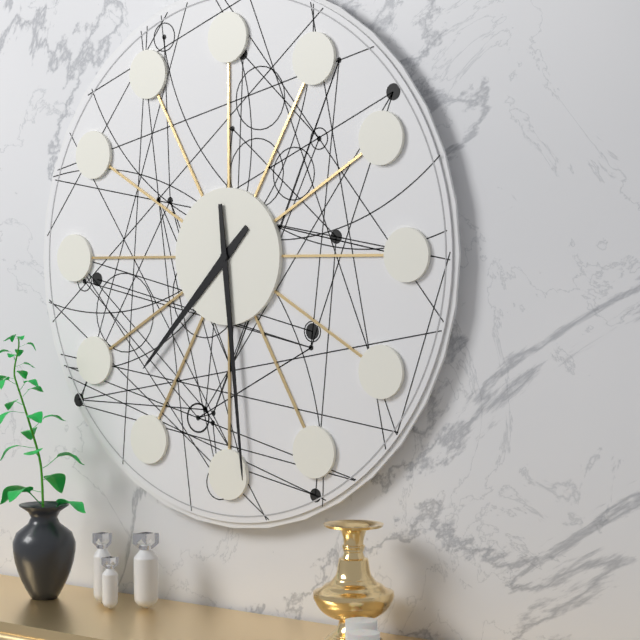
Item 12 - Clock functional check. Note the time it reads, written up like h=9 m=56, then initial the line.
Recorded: h=7 m=29
